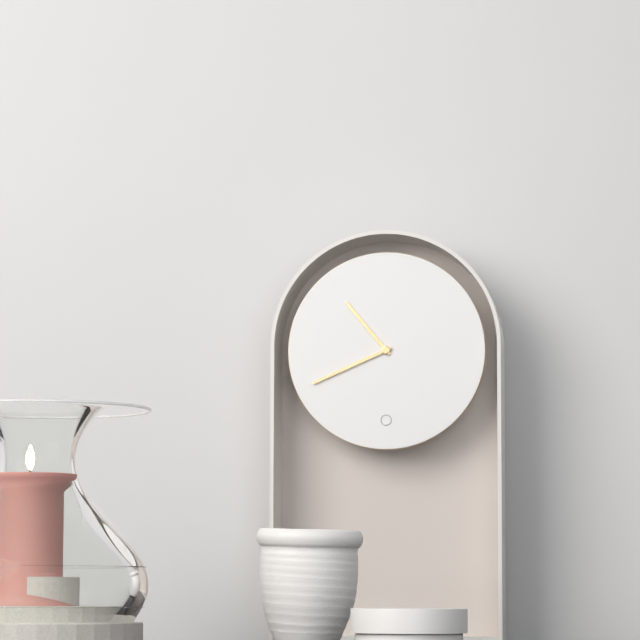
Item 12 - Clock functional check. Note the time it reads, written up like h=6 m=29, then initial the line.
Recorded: h=10 m=41
